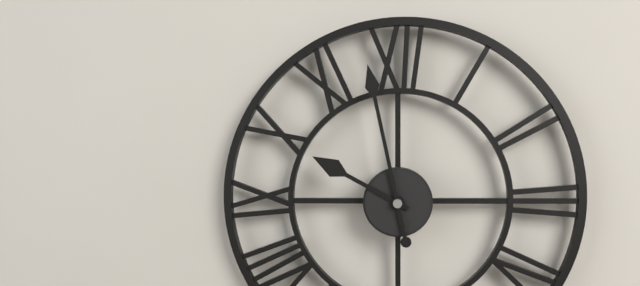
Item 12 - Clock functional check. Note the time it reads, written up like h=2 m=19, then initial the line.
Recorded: h=9 m=58
